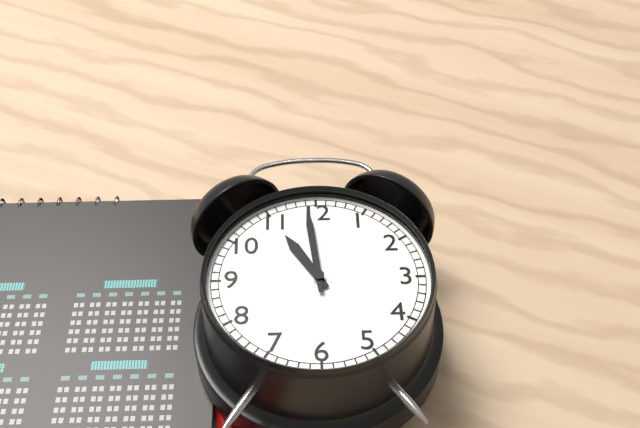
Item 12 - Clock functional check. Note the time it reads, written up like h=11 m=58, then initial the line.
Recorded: h=10 m=59
